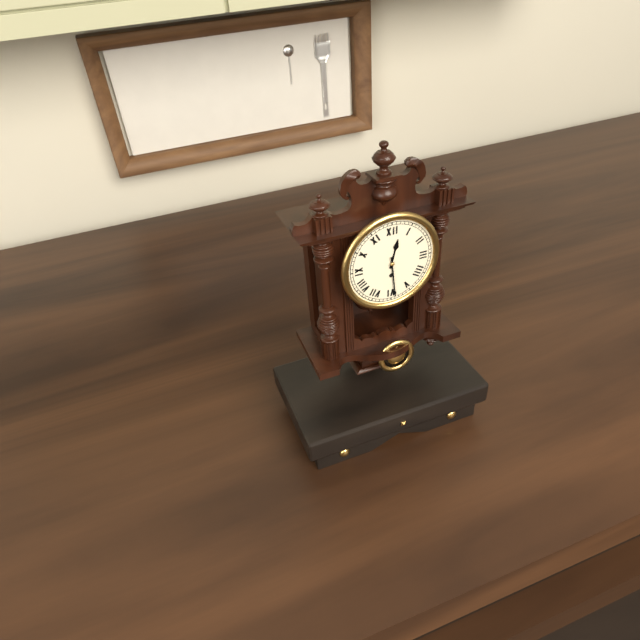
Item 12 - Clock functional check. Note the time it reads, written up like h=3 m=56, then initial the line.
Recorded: h=12 m=29
